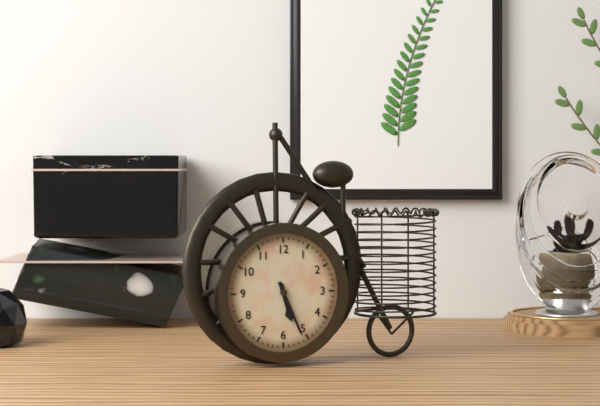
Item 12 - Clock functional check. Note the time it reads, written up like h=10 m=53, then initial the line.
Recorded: h=5 m=26
